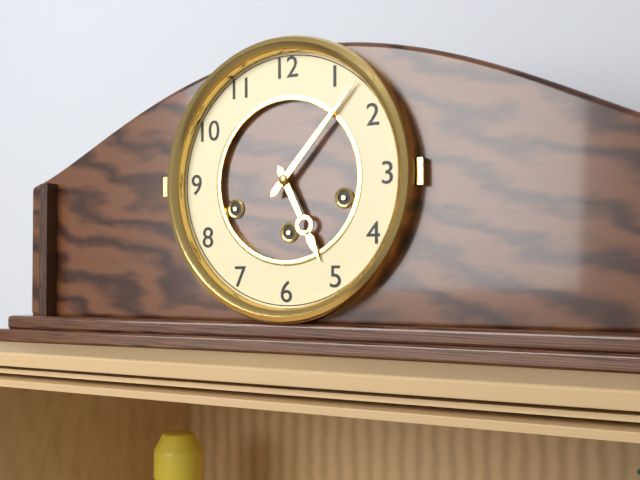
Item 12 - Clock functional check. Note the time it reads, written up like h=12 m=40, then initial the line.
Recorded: h=5 m=7
